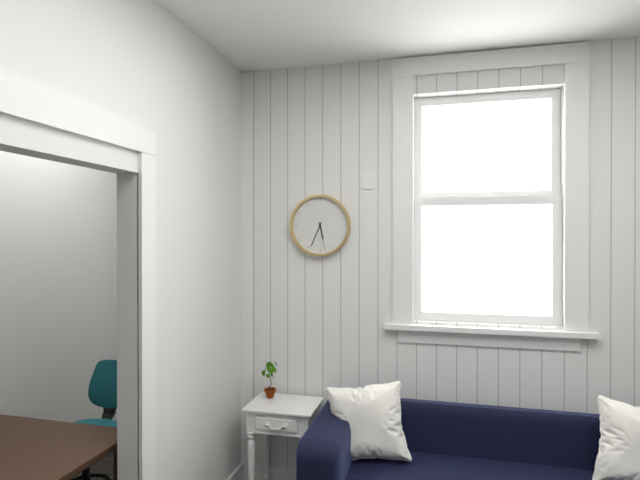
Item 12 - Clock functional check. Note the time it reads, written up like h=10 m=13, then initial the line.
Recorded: h=5 m=34
